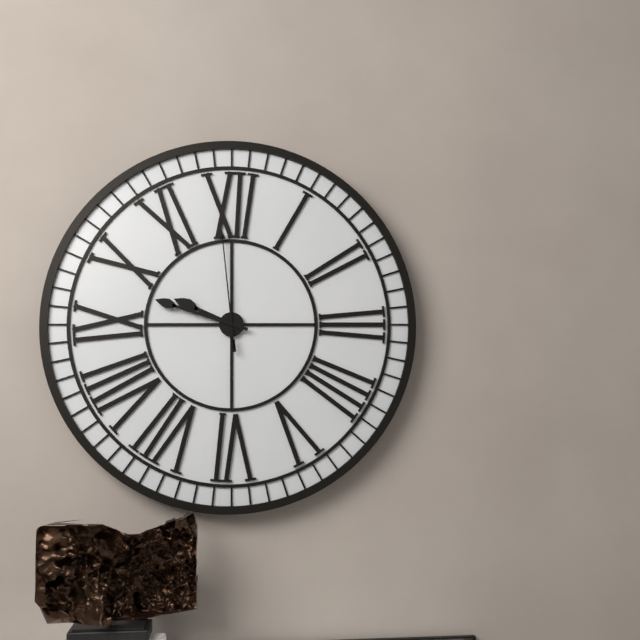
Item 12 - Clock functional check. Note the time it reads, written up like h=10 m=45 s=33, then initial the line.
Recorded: h=9 m=48 s=59
